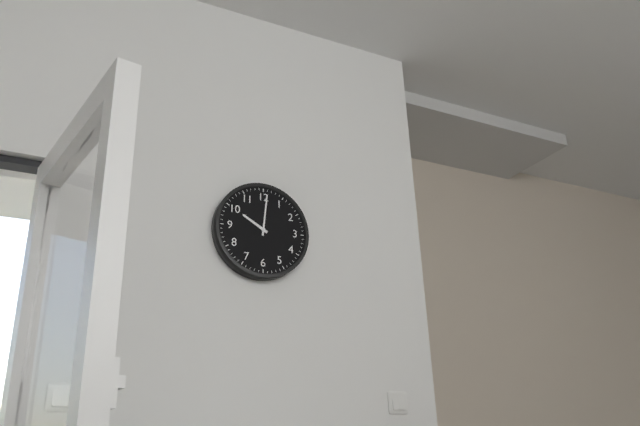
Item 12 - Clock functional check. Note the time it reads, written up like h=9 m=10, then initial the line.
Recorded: h=10 m=1
